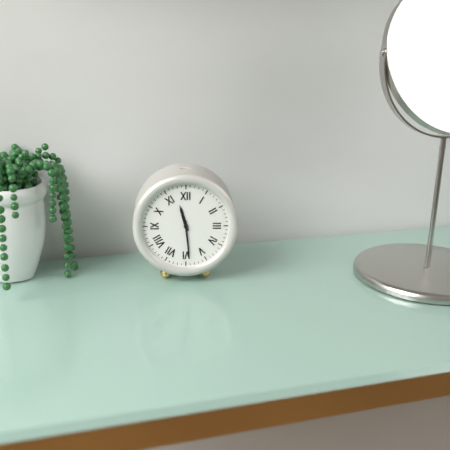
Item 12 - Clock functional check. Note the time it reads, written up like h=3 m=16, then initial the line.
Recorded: h=11 m=29
